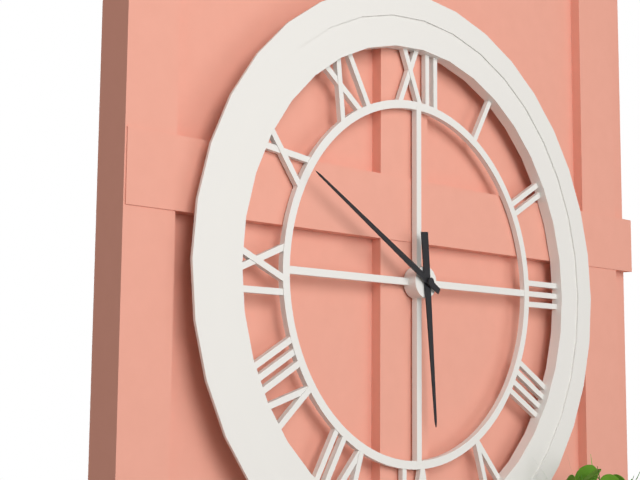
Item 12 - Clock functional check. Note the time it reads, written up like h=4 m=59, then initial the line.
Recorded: h=5 m=50
